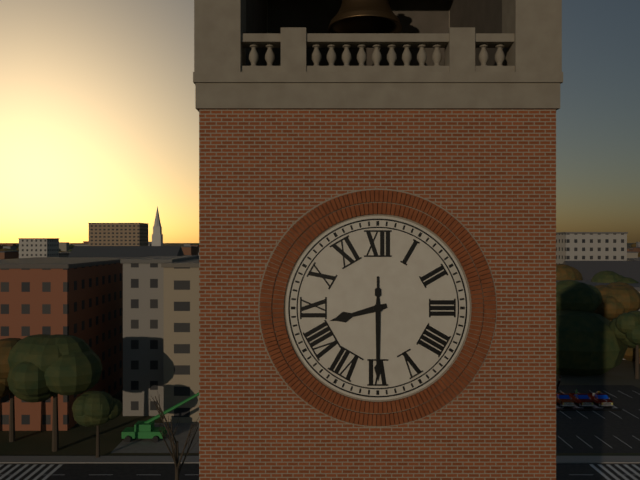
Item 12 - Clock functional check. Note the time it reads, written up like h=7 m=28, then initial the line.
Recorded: h=8 m=30
